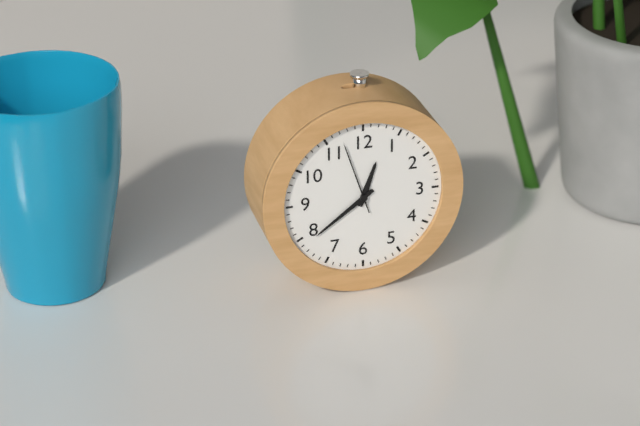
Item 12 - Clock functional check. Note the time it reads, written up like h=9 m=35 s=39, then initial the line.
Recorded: h=12 m=39 s=57
